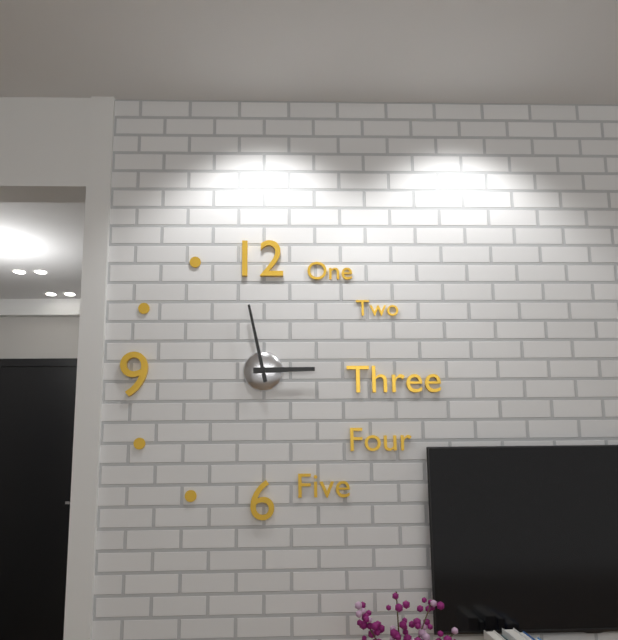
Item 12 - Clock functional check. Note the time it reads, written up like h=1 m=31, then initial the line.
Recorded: h=2 m=58
